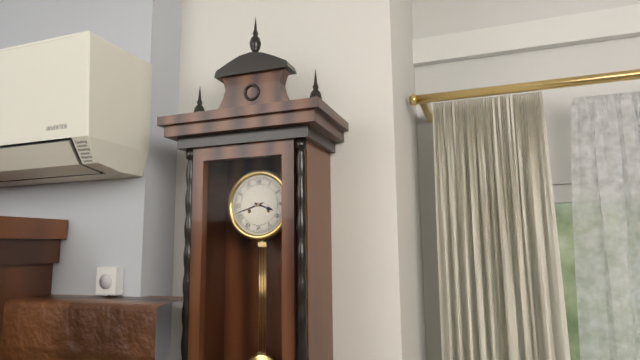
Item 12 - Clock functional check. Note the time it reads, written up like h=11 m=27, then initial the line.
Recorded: h=3 m=42
